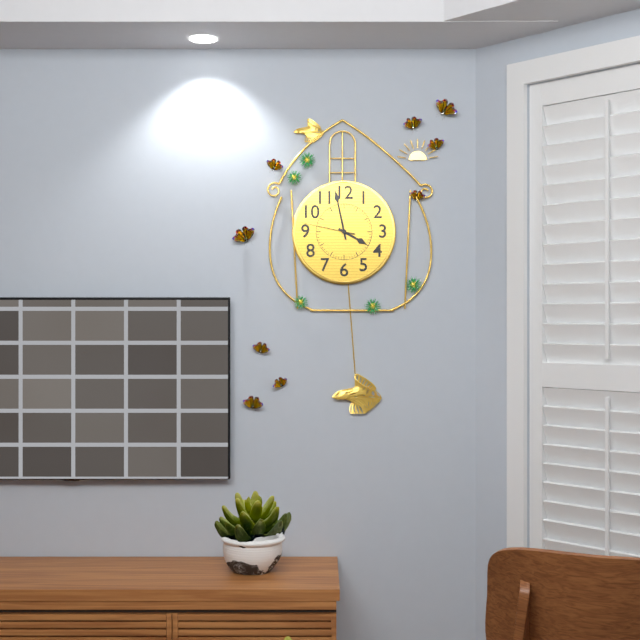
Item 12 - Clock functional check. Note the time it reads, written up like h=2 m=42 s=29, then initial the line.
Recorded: h=3 m=58 s=47
